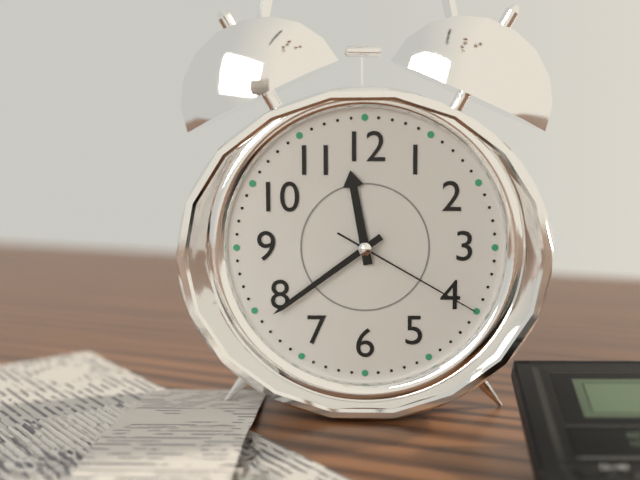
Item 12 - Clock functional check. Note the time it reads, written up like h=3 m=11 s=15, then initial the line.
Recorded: h=11 m=39 s=20
